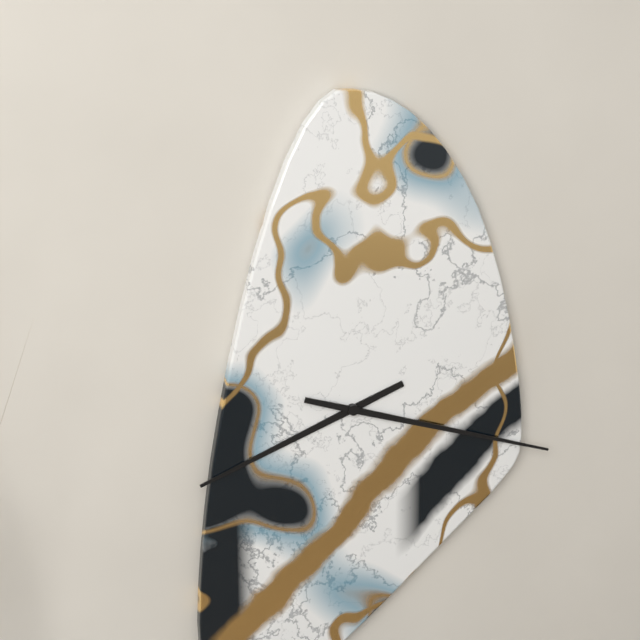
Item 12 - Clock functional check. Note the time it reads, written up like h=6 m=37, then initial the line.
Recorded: h=8 m=18
